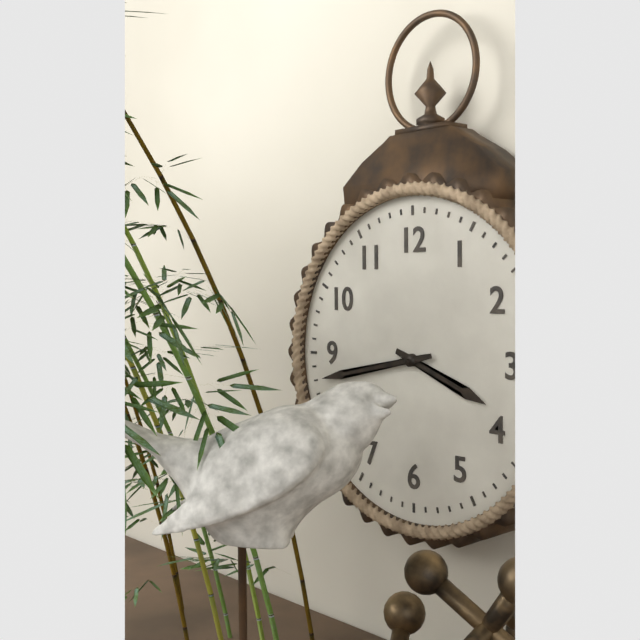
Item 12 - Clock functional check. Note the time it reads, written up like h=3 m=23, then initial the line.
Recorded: h=3 m=43
